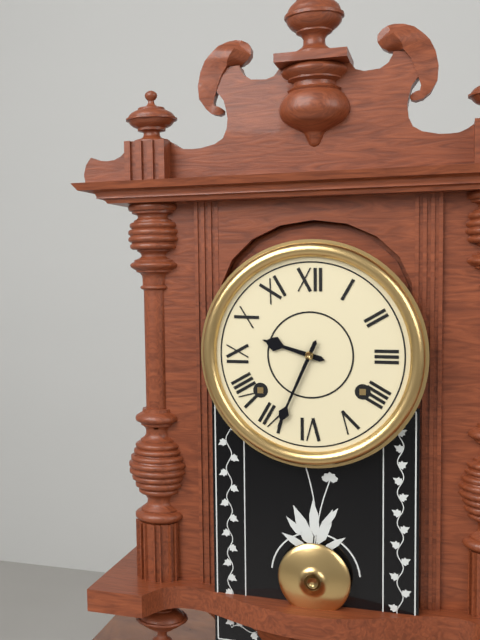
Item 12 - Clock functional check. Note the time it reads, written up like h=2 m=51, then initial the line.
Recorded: h=9 m=34
